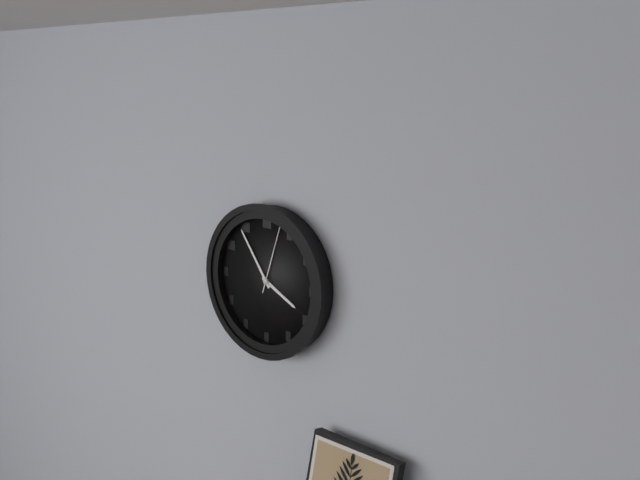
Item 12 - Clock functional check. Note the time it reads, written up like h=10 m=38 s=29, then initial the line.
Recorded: h=3 m=54 s=3
